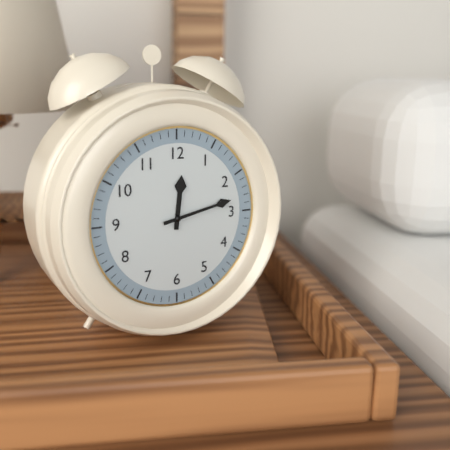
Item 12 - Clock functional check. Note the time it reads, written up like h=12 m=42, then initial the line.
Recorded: h=12 m=13
